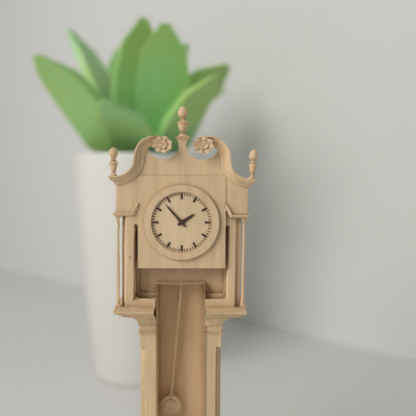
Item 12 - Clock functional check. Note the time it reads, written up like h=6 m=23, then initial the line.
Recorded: h=1 m=53
